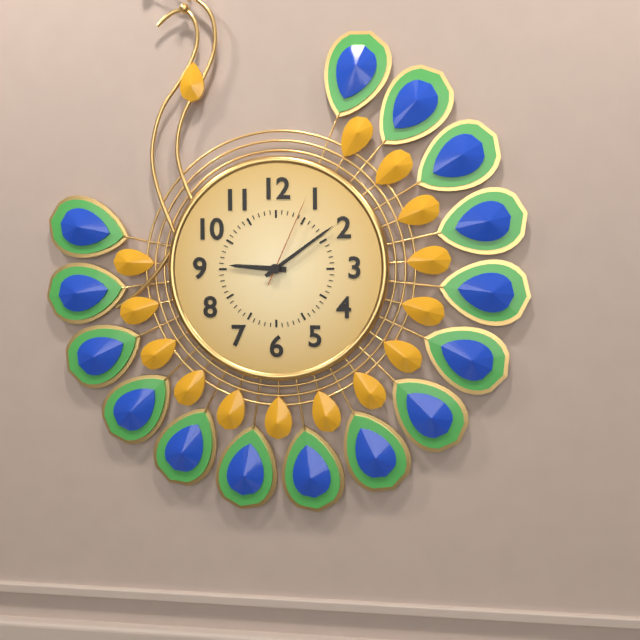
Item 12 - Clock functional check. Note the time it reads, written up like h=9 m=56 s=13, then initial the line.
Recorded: h=9 m=9 s=4
